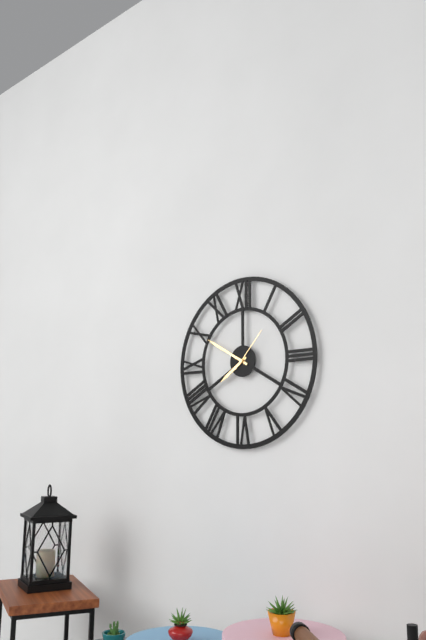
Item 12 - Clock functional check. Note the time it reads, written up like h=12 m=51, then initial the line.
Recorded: h=7 m=50
